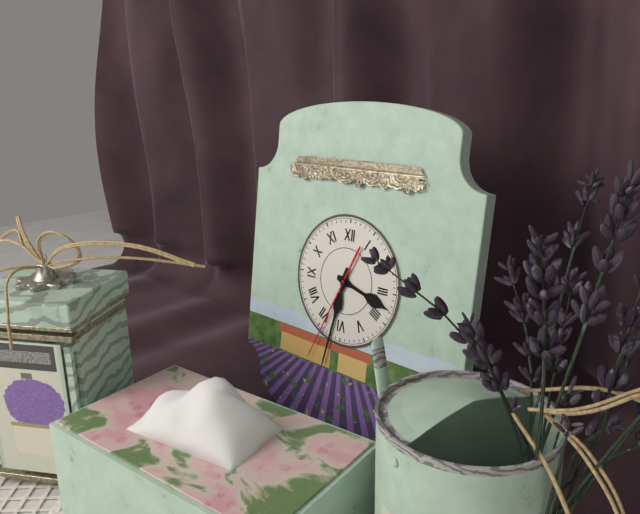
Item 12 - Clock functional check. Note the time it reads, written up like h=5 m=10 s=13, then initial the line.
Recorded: h=3 m=32 s=34
